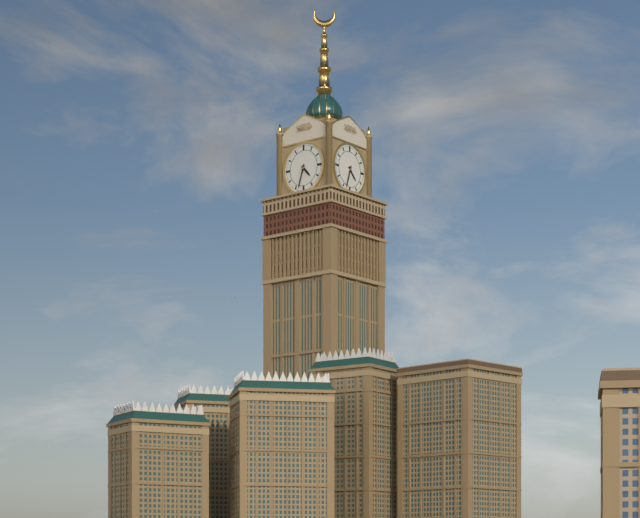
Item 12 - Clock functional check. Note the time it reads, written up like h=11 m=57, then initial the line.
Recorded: h=4 m=33
